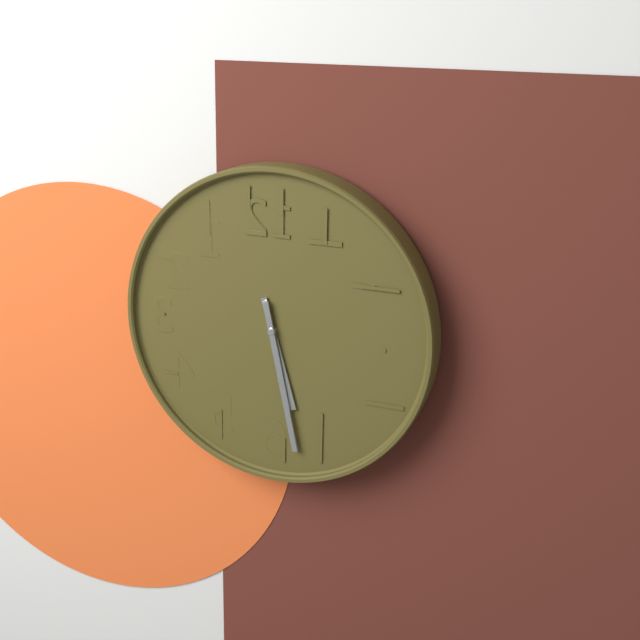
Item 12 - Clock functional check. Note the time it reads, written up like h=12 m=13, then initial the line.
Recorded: h=5 m=28
